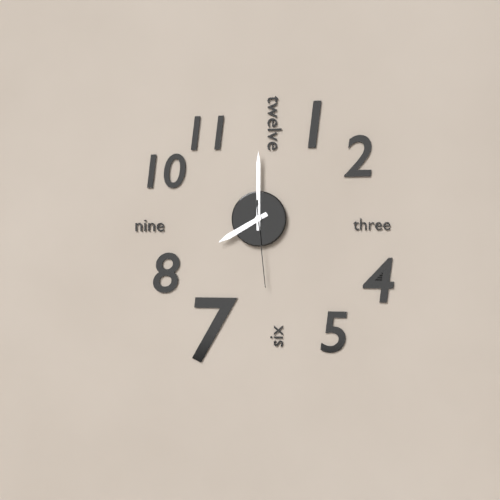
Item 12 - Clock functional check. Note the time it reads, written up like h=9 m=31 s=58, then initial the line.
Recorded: h=8 m=0 s=29
